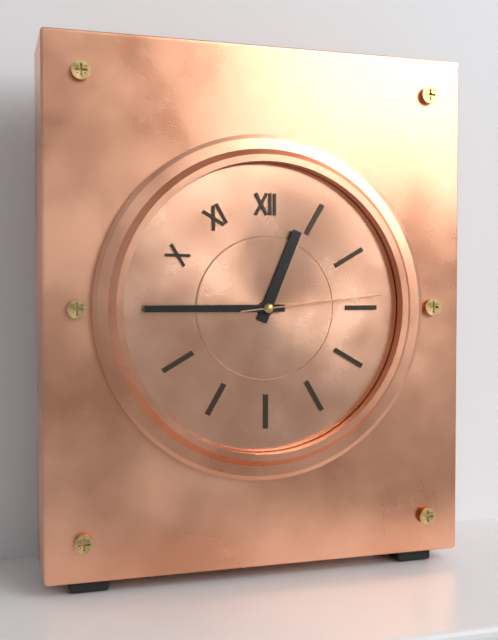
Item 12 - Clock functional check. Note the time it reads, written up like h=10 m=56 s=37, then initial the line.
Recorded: h=12 m=45 s=14
